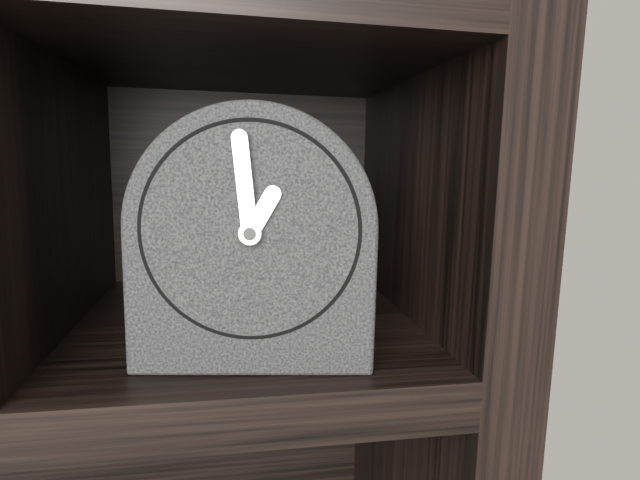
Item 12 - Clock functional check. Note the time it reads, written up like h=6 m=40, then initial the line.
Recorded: h=12 m=59
